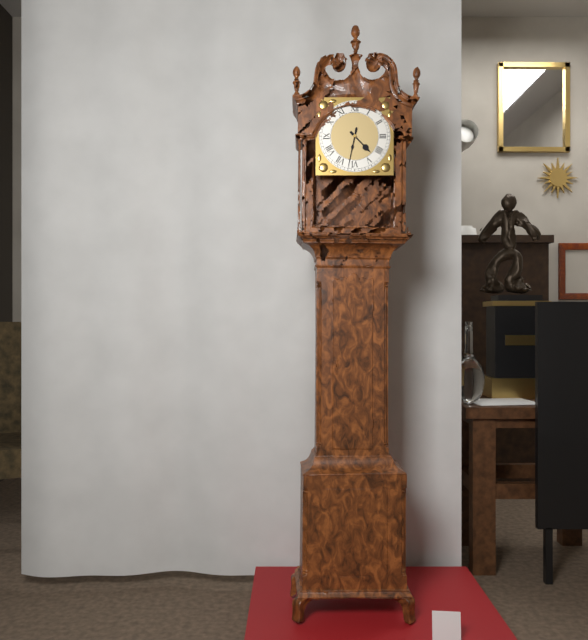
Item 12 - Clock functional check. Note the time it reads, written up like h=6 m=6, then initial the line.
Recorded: h=4 m=32
